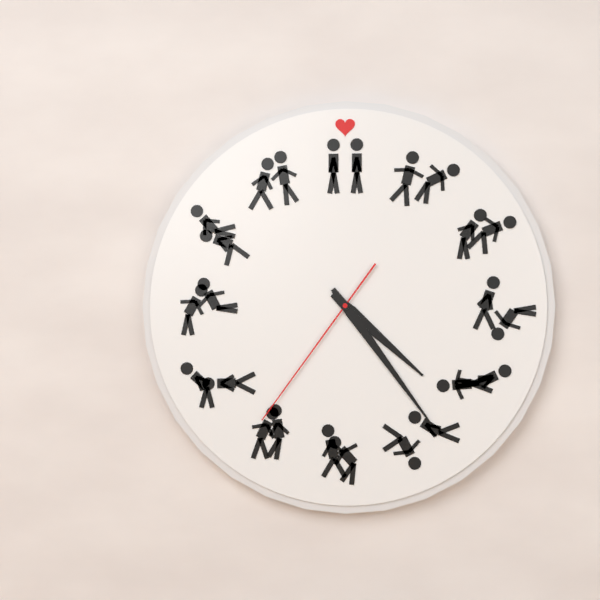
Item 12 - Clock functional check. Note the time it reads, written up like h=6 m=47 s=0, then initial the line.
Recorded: h=4 m=24 s=36
